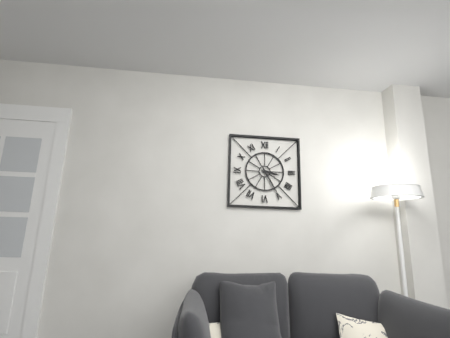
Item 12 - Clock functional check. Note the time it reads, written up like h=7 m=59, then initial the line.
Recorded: h=3 m=25
